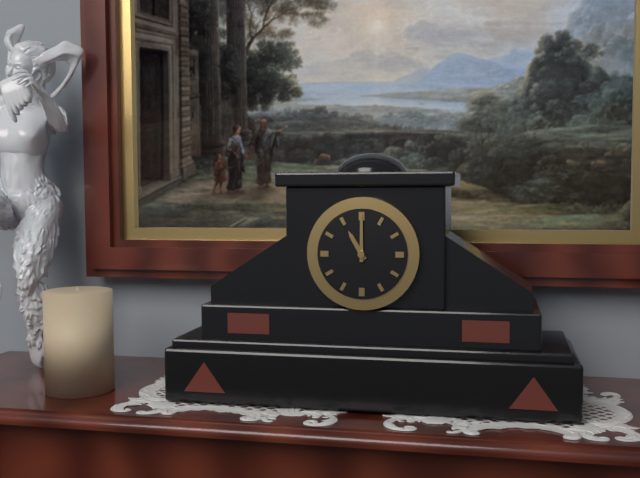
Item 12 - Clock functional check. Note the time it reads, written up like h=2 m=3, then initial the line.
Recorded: h=11 m=0
